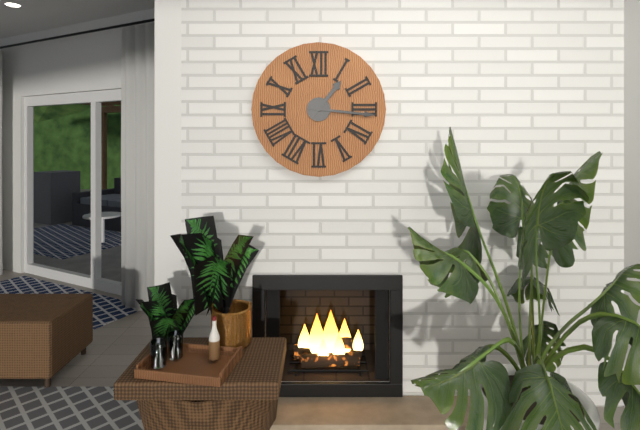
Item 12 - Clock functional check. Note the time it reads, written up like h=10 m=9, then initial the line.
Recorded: h=1 m=16
